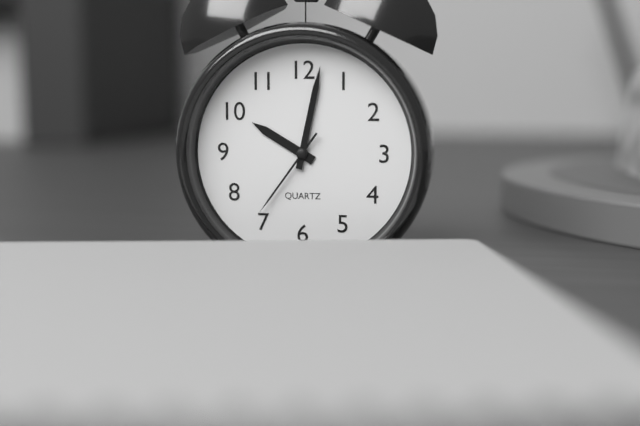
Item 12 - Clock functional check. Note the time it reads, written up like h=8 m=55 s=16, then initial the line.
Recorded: h=10 m=2 s=36
